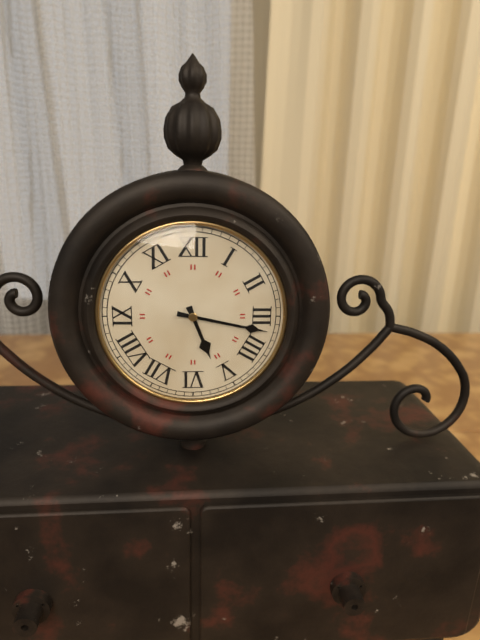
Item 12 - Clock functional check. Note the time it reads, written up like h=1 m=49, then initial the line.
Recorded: h=5 m=17
